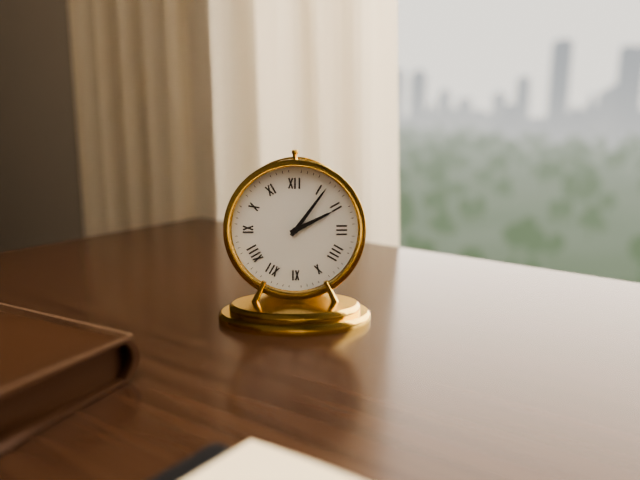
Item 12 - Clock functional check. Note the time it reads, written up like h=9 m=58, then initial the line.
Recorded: h=2 m=6
